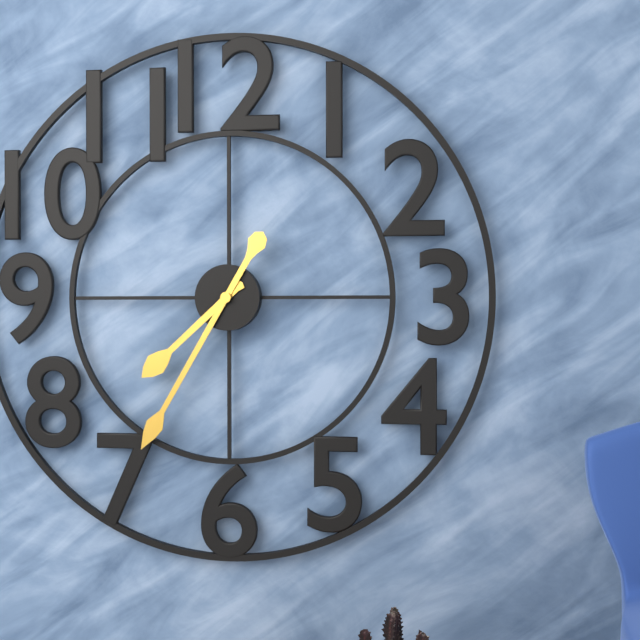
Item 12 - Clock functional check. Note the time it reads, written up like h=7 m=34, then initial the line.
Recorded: h=7 m=35
